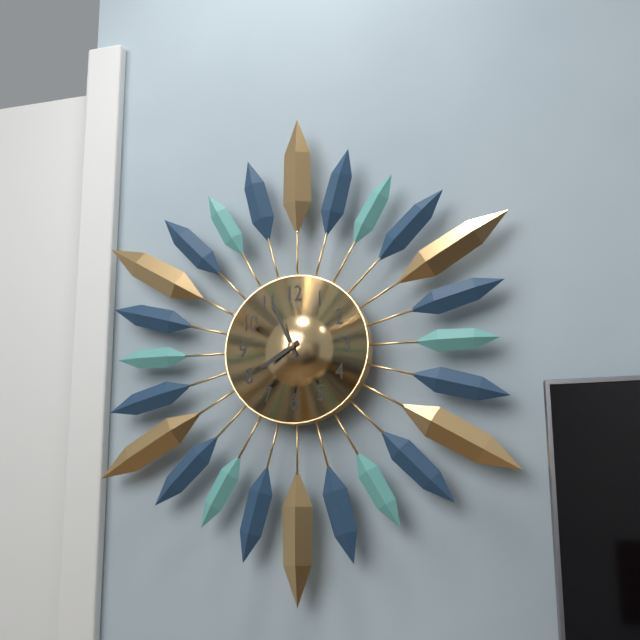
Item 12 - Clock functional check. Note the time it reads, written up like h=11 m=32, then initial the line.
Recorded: h=7 m=56
